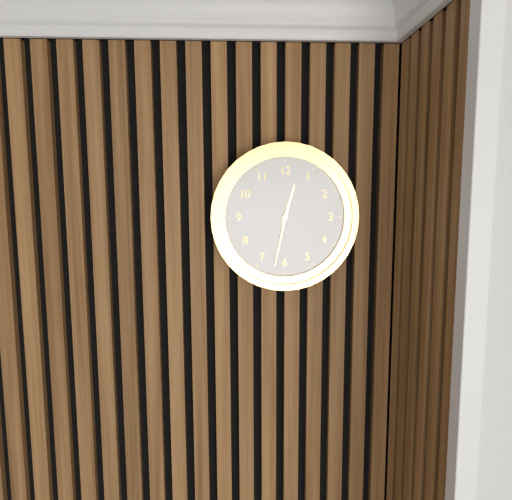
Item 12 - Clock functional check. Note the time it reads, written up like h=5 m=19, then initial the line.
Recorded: h=12 m=32
